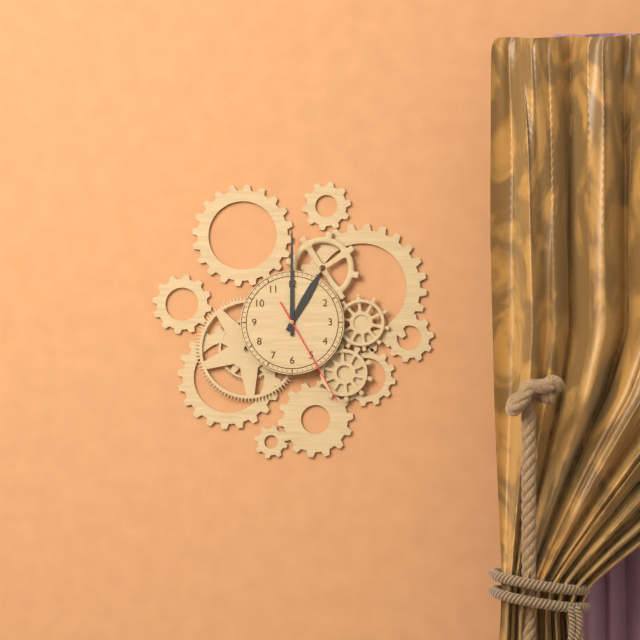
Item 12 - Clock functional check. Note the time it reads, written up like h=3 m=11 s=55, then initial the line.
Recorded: h=1 m=0 s=25
